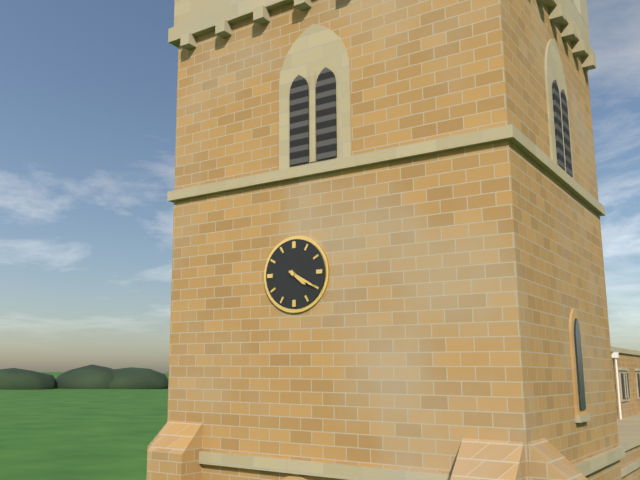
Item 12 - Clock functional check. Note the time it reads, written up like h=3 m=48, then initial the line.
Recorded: h=4 m=20
